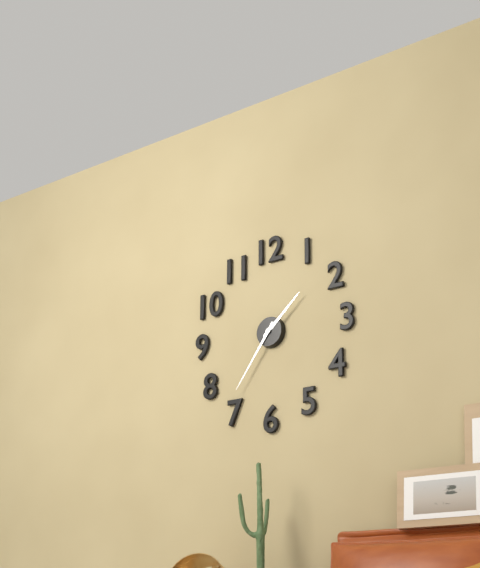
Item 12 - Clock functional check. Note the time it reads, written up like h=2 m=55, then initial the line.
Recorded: h=1 m=36
